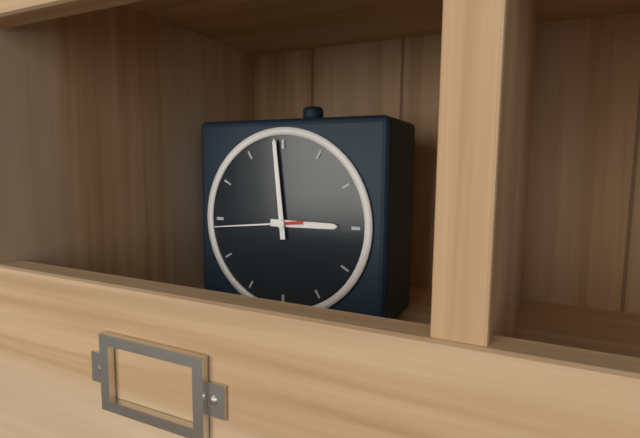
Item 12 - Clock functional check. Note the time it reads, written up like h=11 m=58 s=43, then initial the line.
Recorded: h=2 m=59 s=44
